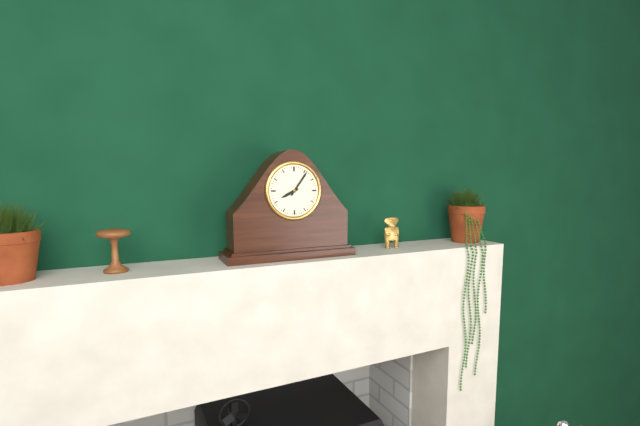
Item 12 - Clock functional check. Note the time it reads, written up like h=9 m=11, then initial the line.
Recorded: h=8 m=6
